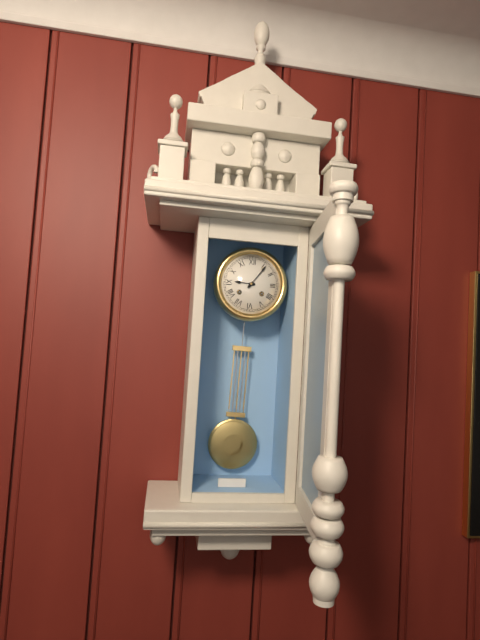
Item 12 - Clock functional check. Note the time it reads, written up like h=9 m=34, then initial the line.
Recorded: h=9 m=6
